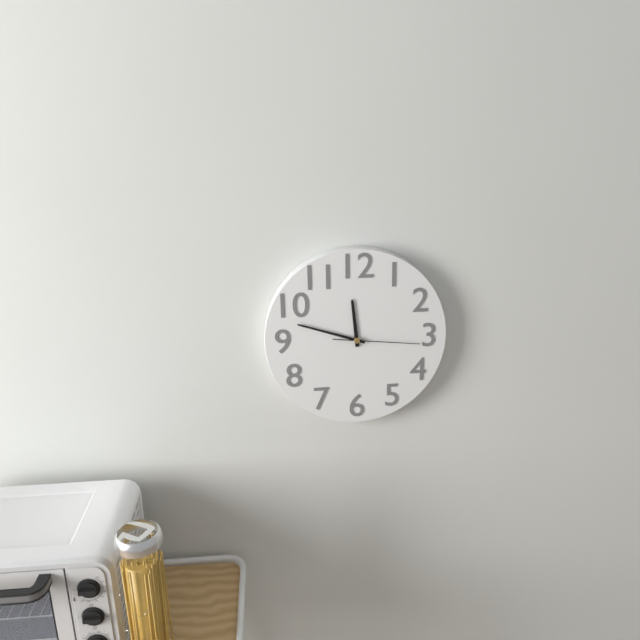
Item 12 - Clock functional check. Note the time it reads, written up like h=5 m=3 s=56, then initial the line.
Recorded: h=11 m=48 s=16
